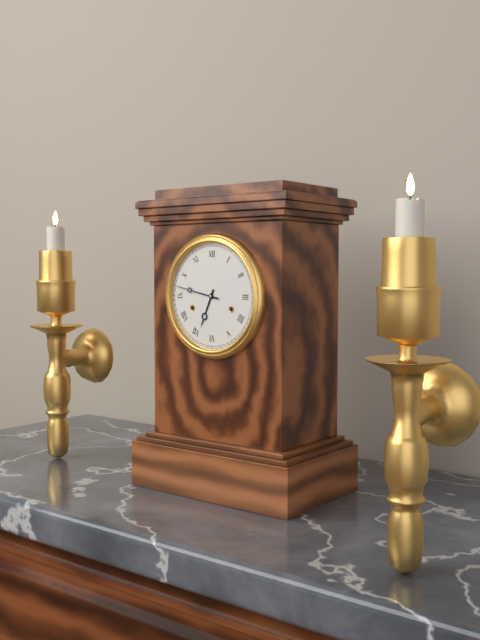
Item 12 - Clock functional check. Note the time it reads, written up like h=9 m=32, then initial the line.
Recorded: h=6 m=47
